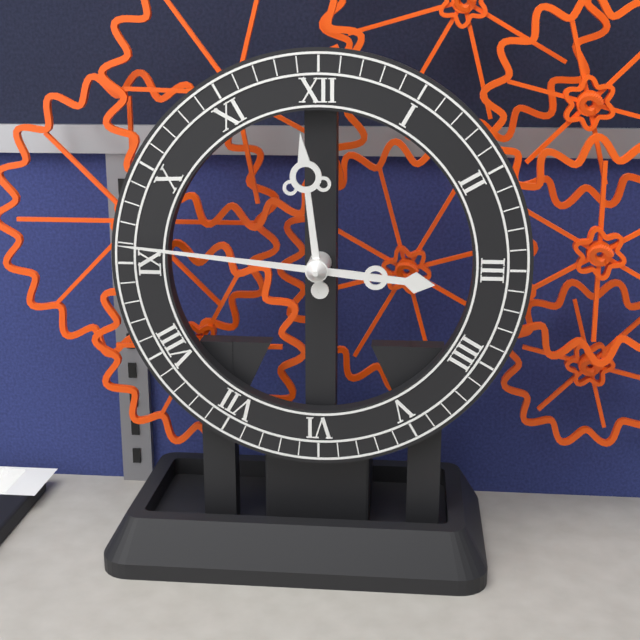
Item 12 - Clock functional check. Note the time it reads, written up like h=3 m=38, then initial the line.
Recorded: h=11 m=46
